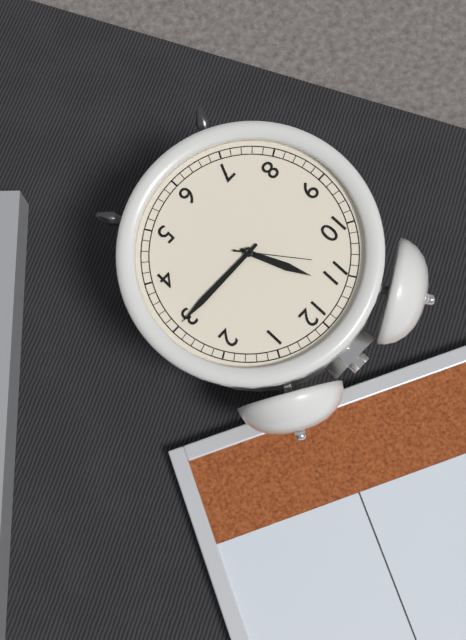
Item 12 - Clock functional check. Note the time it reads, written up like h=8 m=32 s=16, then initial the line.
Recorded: h=11 m=15 s=54
